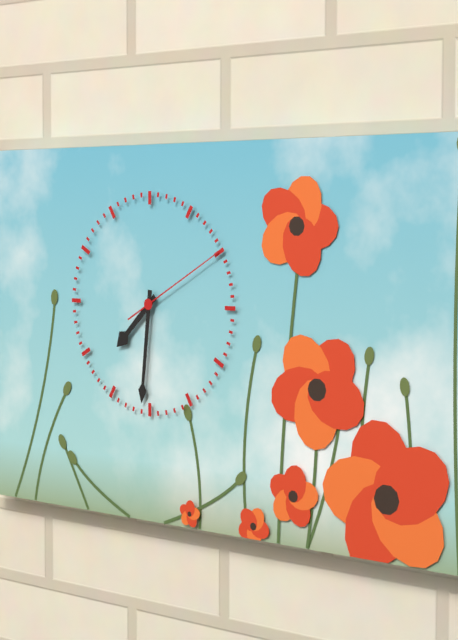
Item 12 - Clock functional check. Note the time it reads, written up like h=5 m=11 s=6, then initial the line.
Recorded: h=7 m=31 s=10
